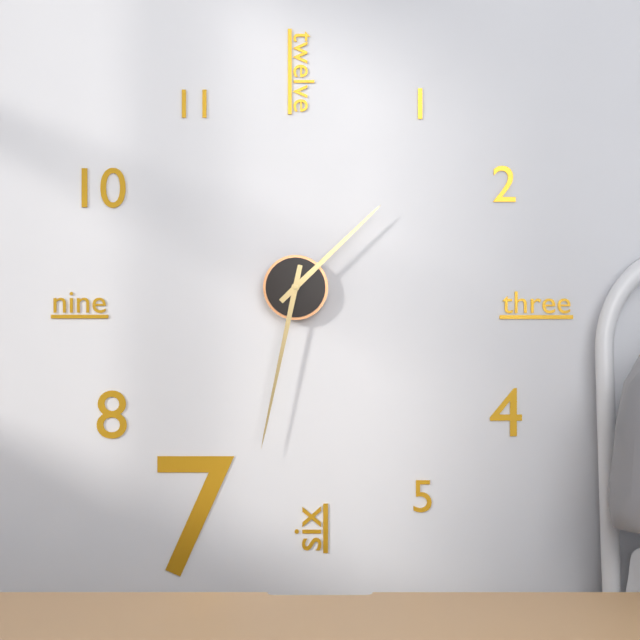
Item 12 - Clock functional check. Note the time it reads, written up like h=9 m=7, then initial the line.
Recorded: h=1 m=32
